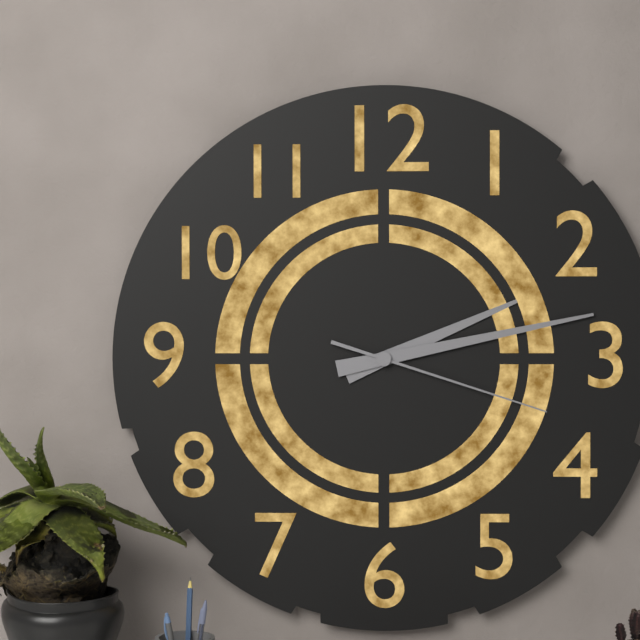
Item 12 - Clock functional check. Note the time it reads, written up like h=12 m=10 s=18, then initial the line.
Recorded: h=2 m=13 s=18
